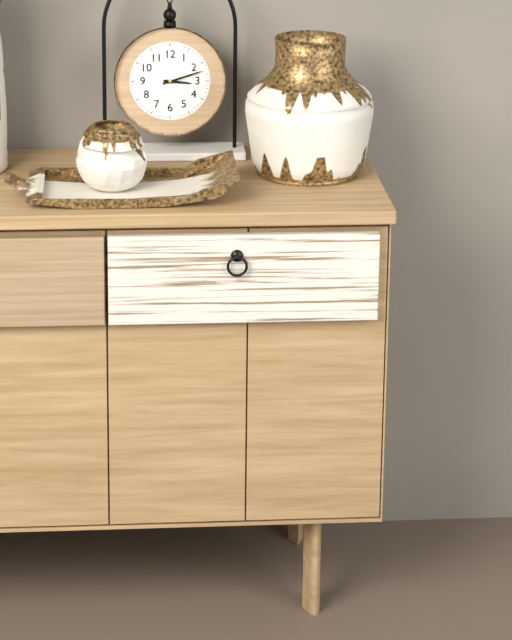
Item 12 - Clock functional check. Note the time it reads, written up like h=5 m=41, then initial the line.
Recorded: h=3 m=12
